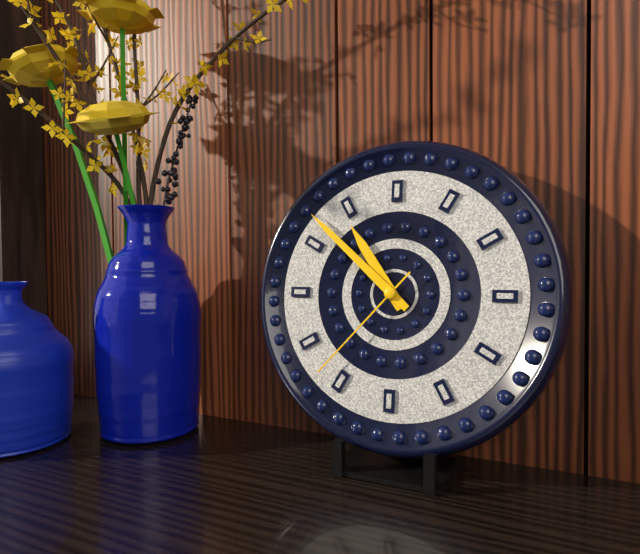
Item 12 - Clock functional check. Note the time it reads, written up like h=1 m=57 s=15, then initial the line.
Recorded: h=10 m=52 s=37
